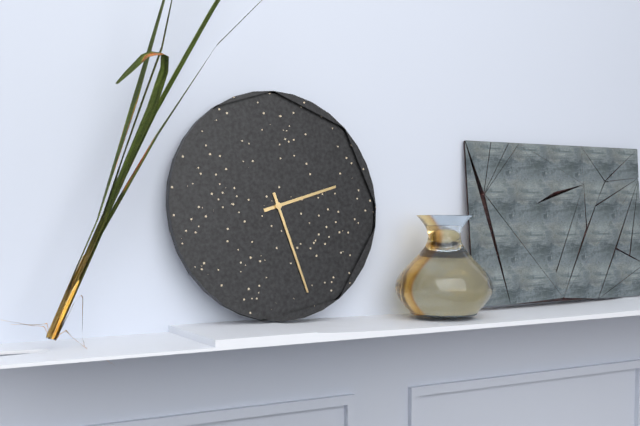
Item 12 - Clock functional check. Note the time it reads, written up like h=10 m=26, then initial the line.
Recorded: h=2 m=27
